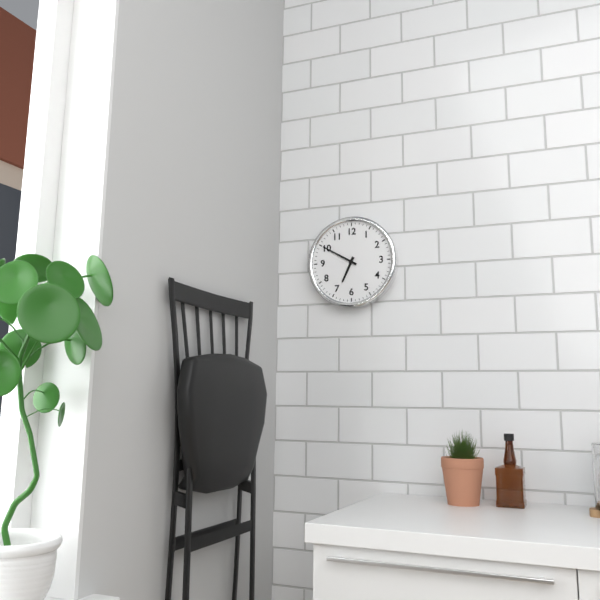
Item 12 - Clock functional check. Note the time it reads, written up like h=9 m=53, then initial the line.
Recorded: h=6 m=50
